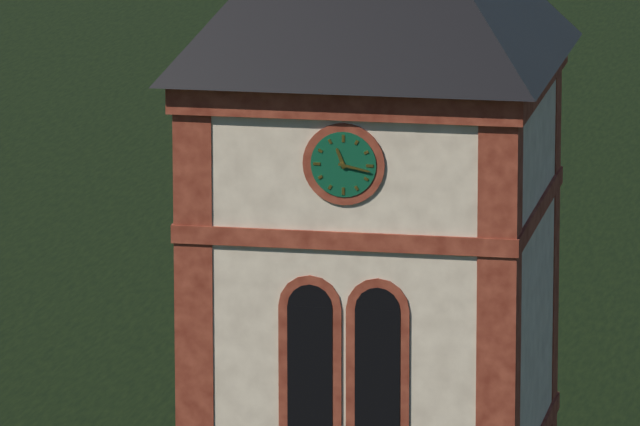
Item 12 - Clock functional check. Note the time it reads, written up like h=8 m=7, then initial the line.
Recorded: h=11 m=17
